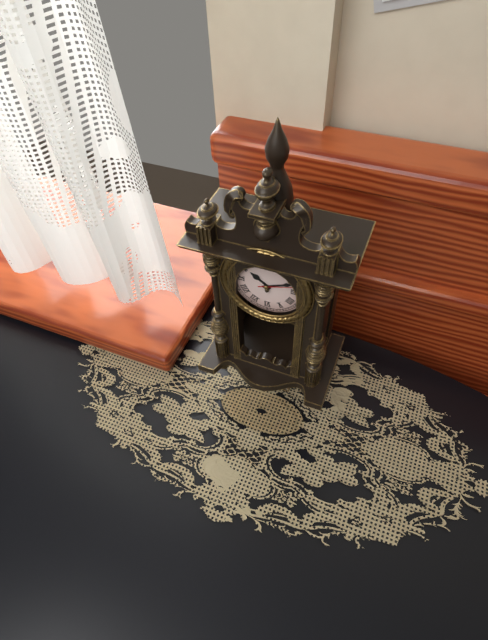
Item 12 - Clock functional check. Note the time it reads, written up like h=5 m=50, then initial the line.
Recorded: h=10 m=11
